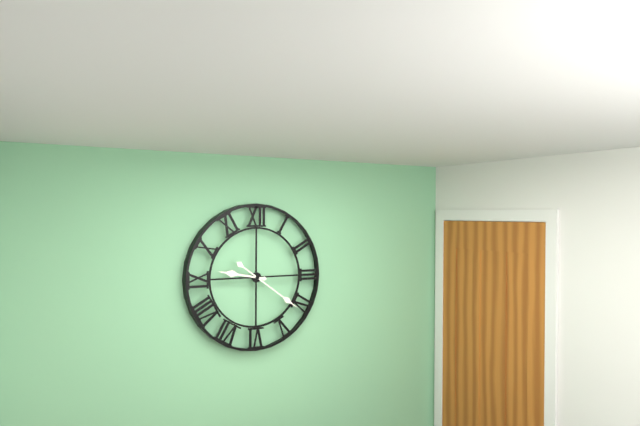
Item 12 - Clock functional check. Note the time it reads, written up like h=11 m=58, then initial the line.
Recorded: h=9 m=21
